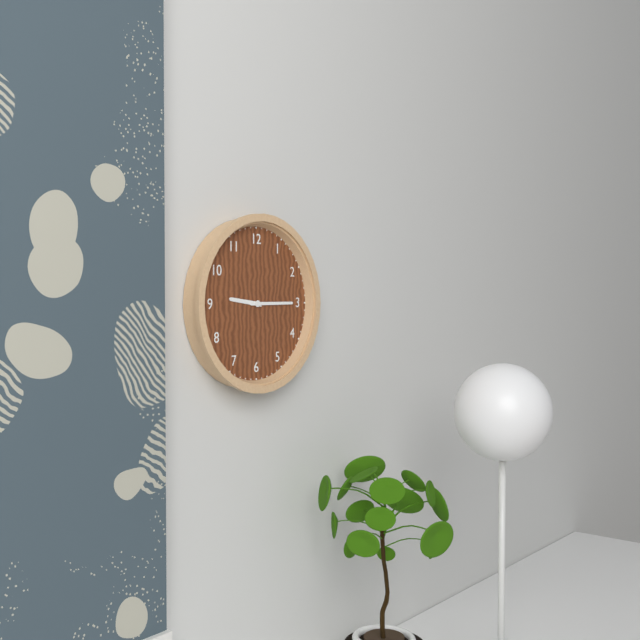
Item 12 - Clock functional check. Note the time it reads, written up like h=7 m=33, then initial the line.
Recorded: h=9 m=15
